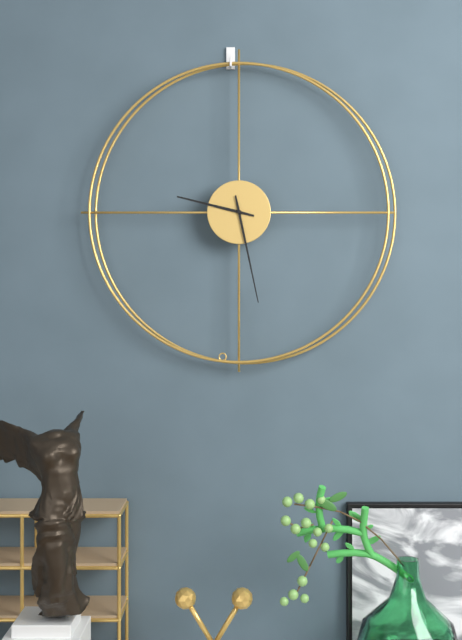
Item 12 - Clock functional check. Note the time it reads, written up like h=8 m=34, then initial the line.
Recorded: h=9 m=28
